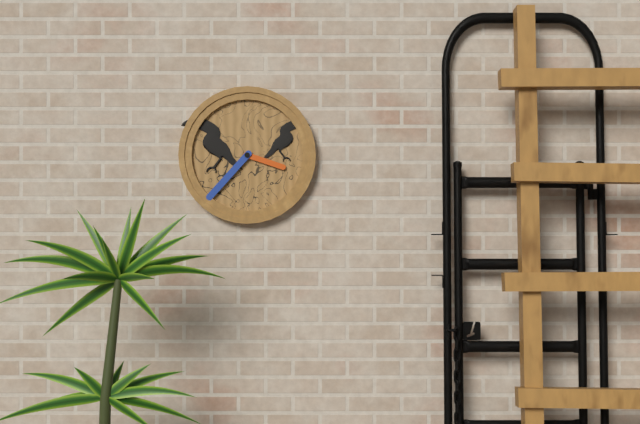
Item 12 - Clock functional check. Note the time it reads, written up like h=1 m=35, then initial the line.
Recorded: h=3 m=37
